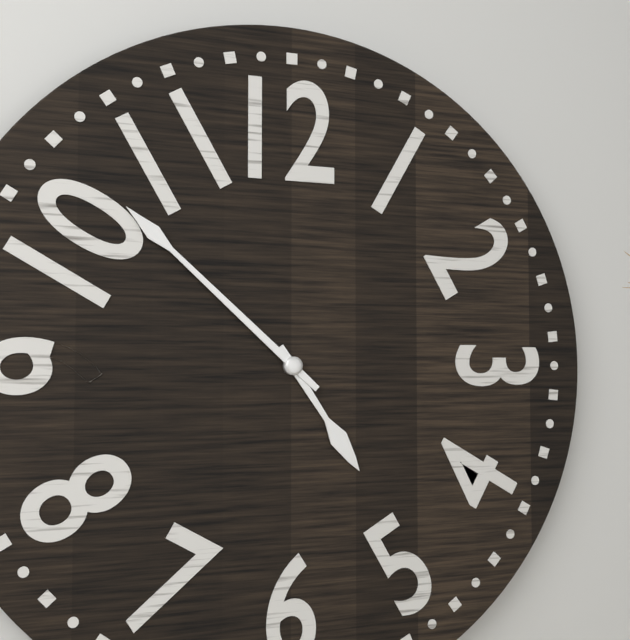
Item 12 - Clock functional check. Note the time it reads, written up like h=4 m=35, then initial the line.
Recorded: h=4 m=52
